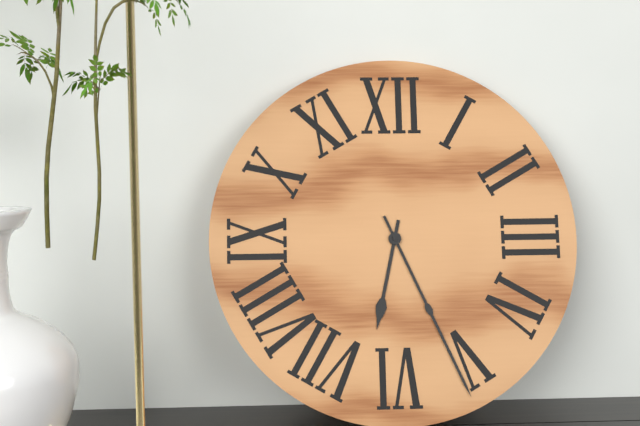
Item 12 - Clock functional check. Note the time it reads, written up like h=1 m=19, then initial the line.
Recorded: h=6 m=26
